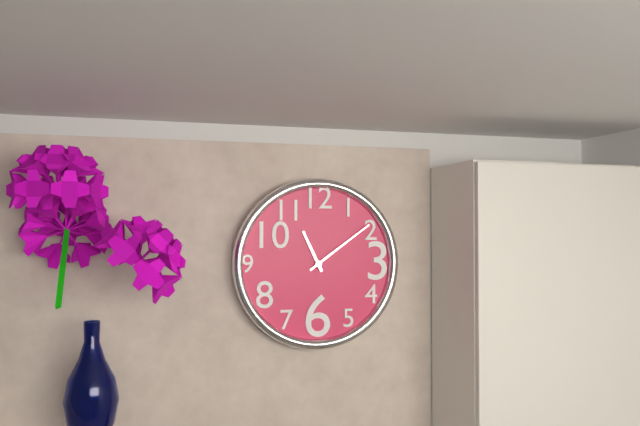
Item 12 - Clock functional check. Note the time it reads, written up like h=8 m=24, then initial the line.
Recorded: h=11 m=9
